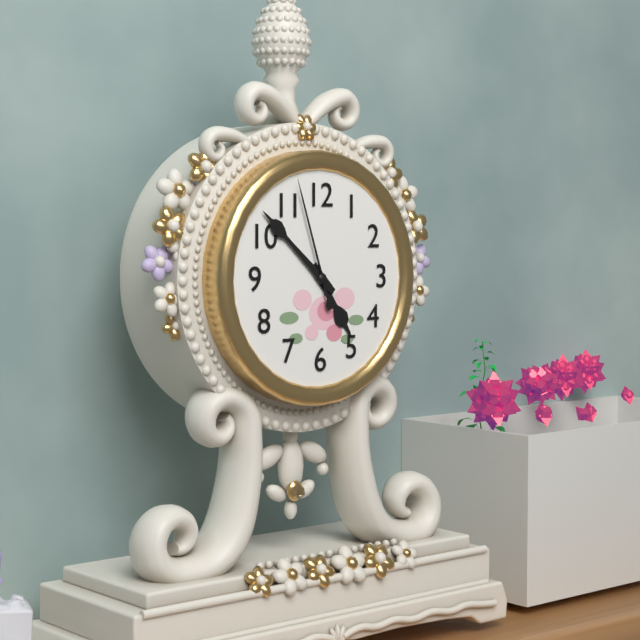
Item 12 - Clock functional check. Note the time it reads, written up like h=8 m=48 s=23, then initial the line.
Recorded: h=4 m=52 s=57
